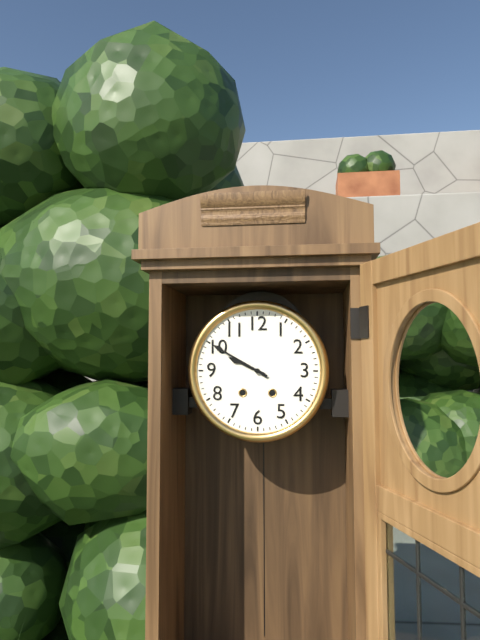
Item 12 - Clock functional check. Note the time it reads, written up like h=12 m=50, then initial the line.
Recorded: h=9 m=50
